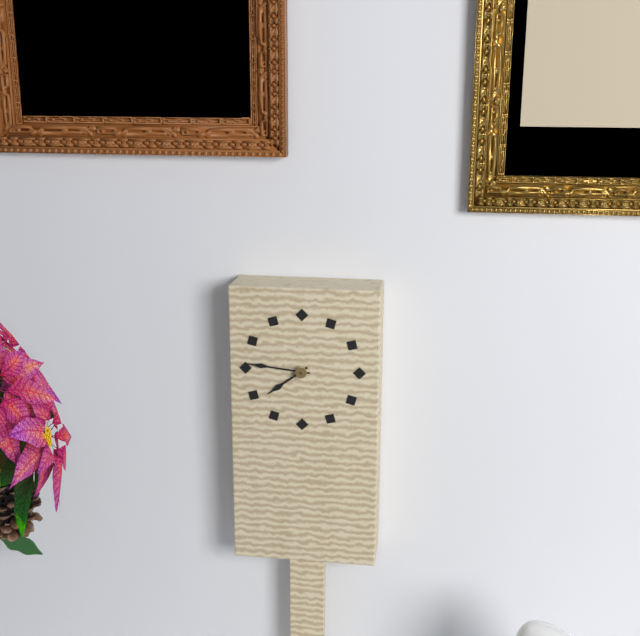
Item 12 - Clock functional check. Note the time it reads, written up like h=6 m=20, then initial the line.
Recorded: h=7 m=46
